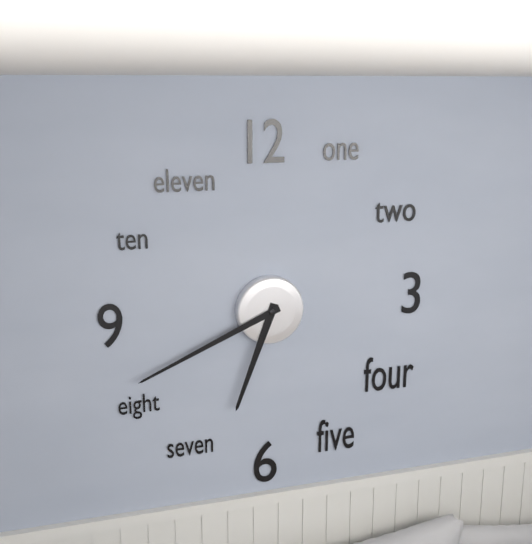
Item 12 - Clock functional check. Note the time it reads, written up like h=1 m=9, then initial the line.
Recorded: h=6 m=41
